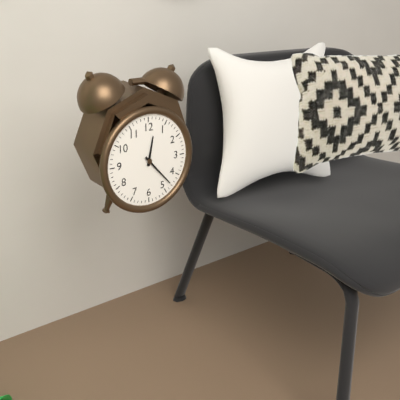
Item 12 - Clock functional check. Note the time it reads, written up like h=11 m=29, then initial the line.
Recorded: h=12 m=23
